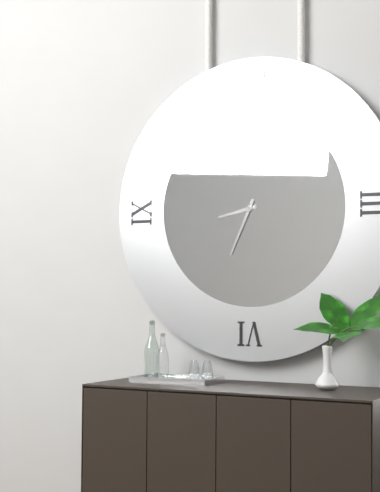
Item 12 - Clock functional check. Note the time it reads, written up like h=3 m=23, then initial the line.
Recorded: h=8 m=34
